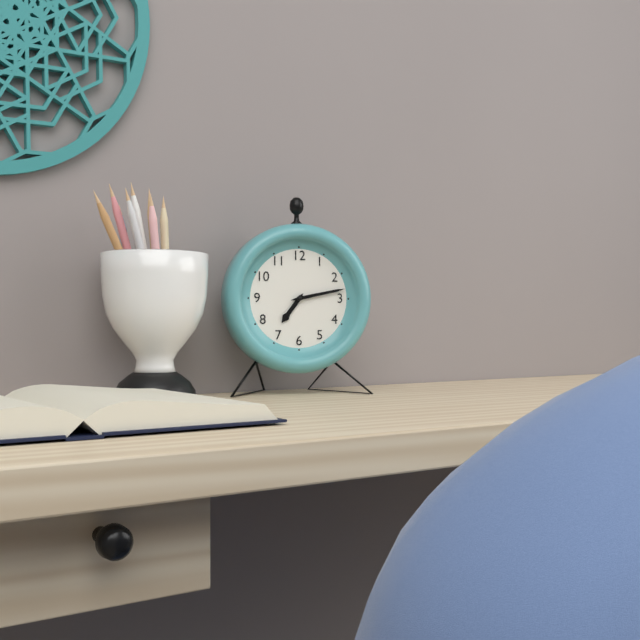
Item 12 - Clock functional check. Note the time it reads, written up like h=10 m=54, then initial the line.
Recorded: h=7 m=13
